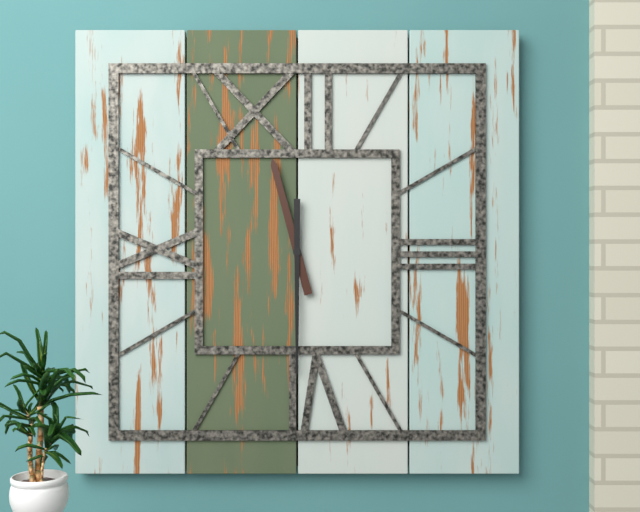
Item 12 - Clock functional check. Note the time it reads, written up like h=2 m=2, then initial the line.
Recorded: h=11 m=30
